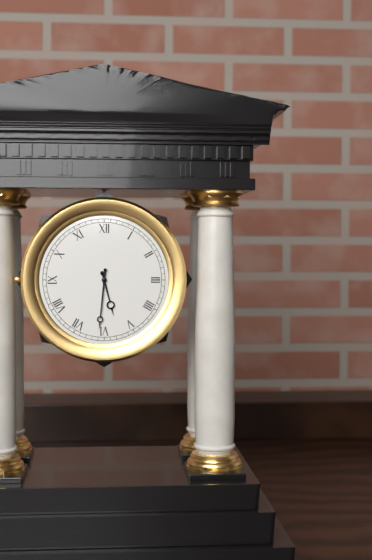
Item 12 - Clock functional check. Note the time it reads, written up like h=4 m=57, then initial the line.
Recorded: h=5 m=31
